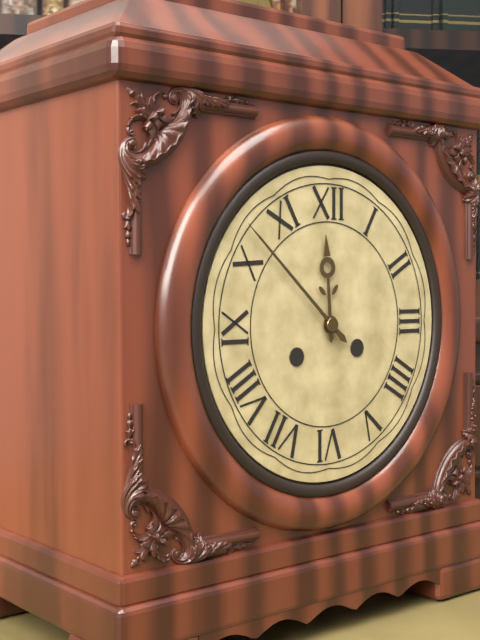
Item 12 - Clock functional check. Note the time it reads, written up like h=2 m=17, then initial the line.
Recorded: h=11 m=52
